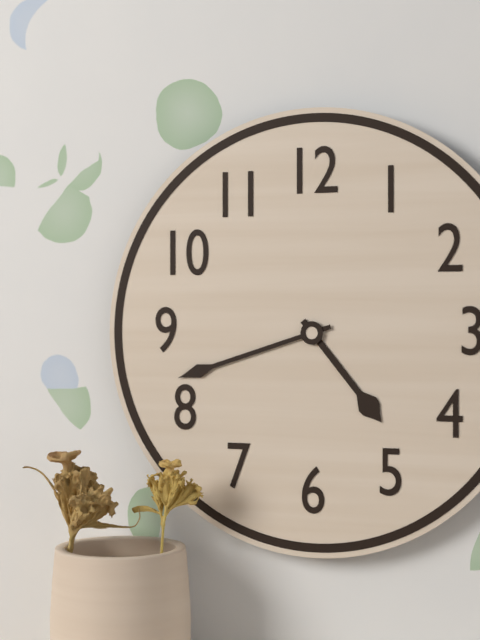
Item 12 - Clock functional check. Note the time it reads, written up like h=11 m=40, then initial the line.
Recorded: h=4 m=42
